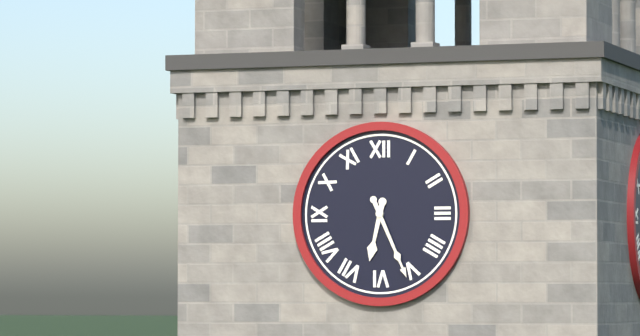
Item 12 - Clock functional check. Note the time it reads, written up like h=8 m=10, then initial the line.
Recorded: h=6 m=26
